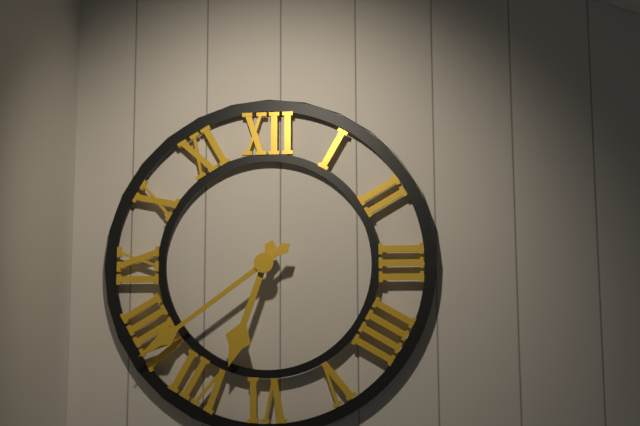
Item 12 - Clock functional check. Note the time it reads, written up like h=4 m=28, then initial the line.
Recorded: h=6 m=39
